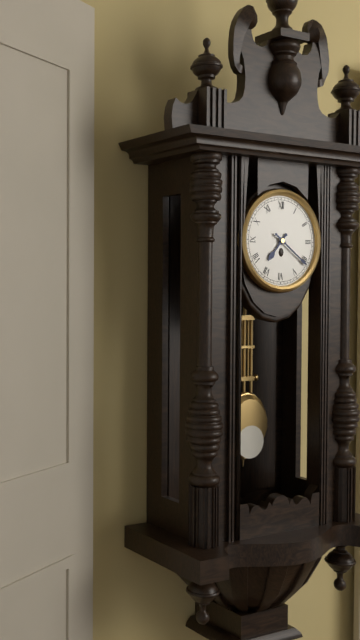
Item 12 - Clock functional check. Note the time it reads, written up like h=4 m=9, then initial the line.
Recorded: h=7 m=21
